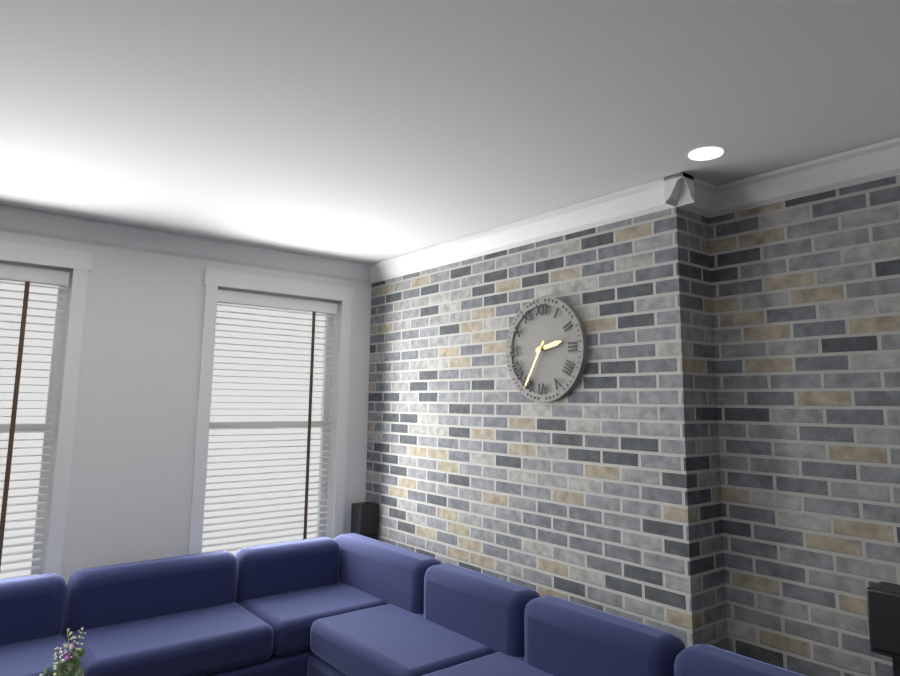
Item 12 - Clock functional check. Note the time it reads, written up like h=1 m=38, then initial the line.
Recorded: h=2 m=35
